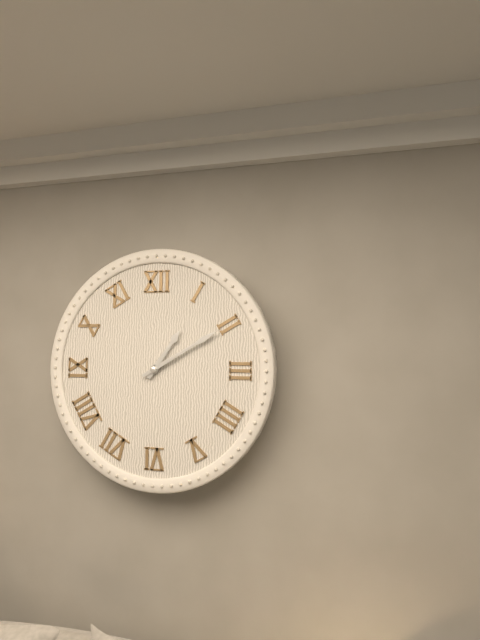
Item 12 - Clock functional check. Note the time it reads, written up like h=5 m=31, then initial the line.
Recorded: h=1 m=10
